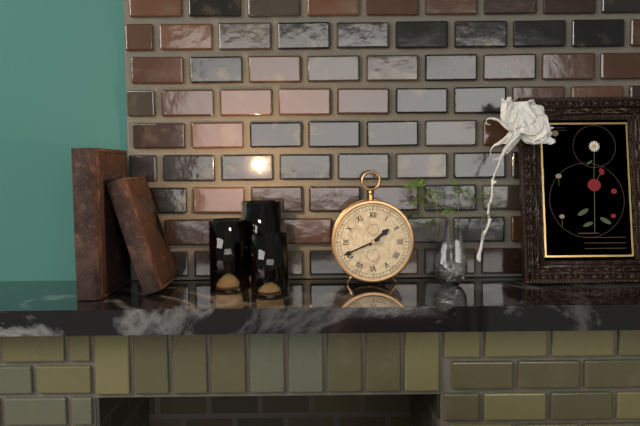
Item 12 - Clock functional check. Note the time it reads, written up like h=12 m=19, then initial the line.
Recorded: h=1 m=41
